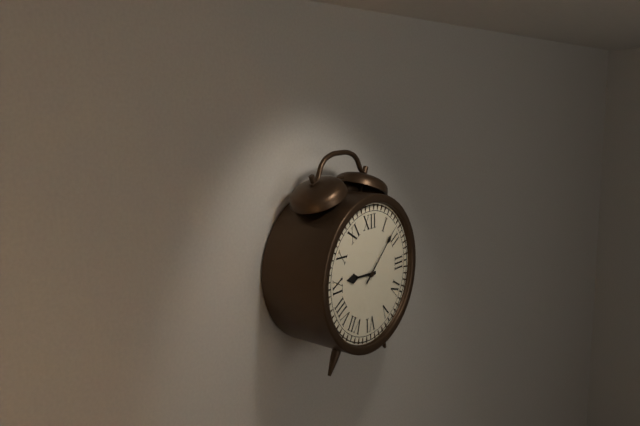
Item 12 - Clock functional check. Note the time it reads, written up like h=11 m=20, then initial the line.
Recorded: h=9 m=8
